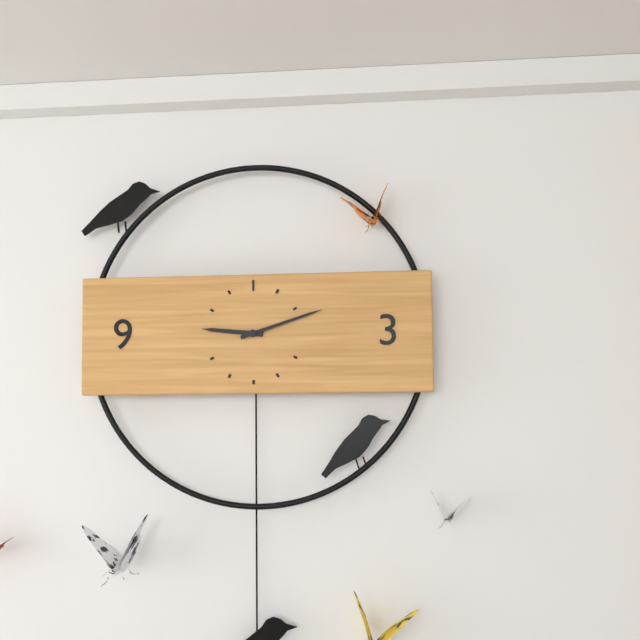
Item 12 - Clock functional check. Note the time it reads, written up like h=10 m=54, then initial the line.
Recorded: h=9 m=12
